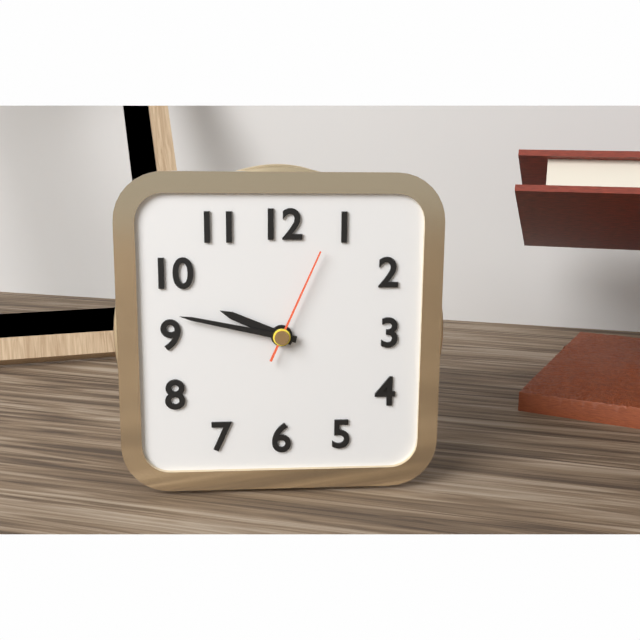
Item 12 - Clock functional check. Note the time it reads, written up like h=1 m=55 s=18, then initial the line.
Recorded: h=9 m=47 s=4
